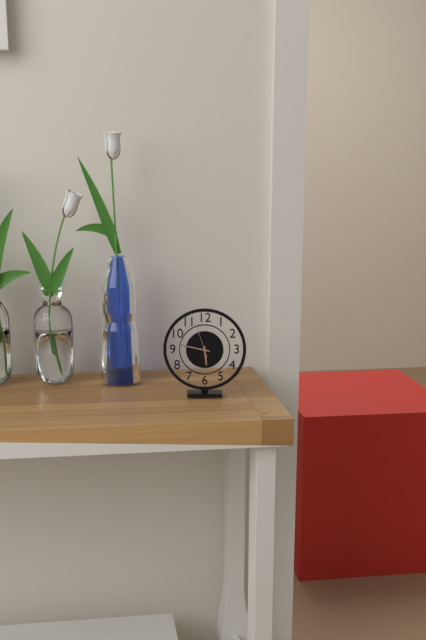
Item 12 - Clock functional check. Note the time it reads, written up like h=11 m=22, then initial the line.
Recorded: h=5 m=47
